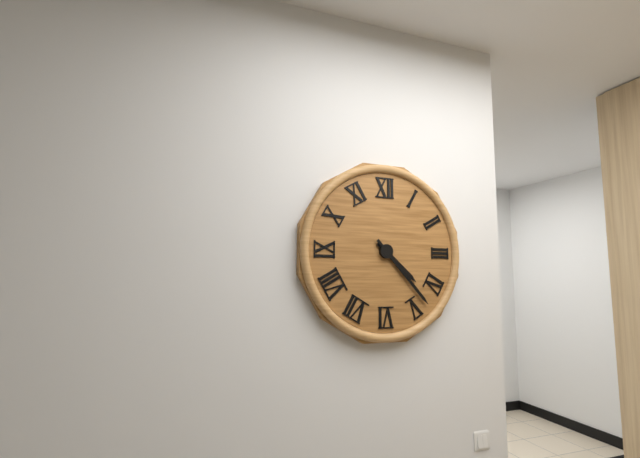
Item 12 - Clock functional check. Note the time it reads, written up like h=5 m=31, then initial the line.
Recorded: h=4 m=23
